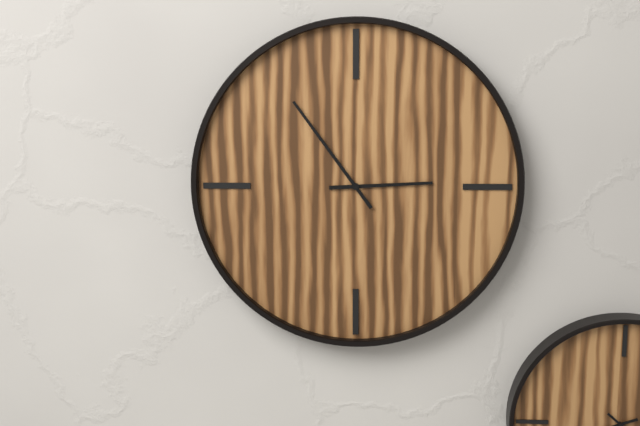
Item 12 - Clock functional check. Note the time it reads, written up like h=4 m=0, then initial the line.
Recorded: h=2 m=54
